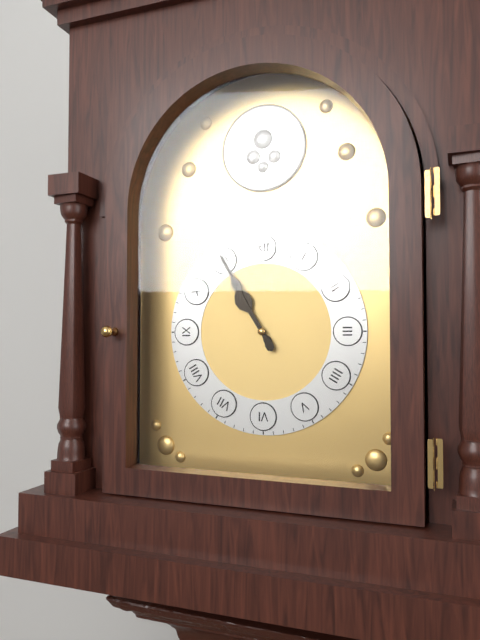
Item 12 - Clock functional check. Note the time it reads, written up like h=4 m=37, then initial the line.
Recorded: h=10 m=55
